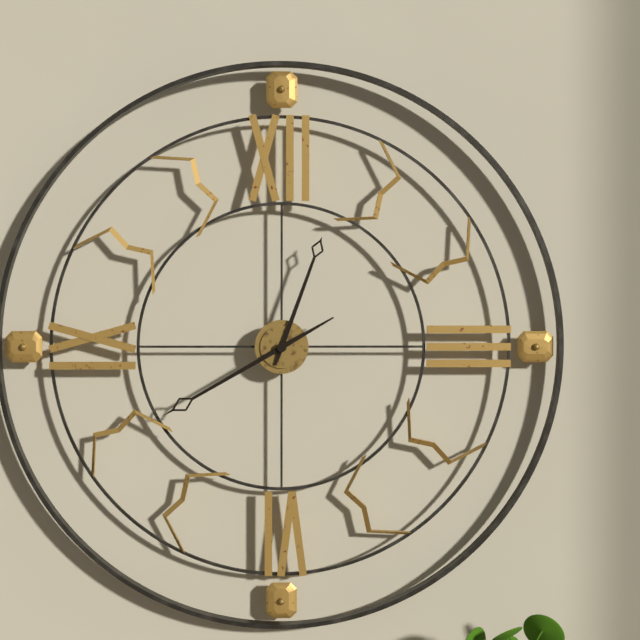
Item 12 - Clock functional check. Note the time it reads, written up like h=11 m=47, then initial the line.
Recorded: h=12 m=40
